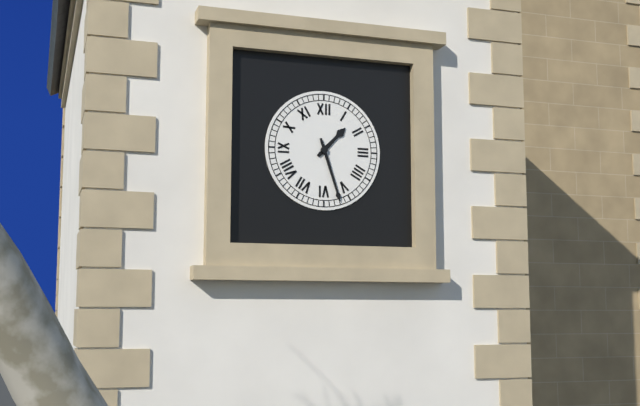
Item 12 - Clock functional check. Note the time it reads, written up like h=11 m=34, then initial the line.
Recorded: h=1 m=27
